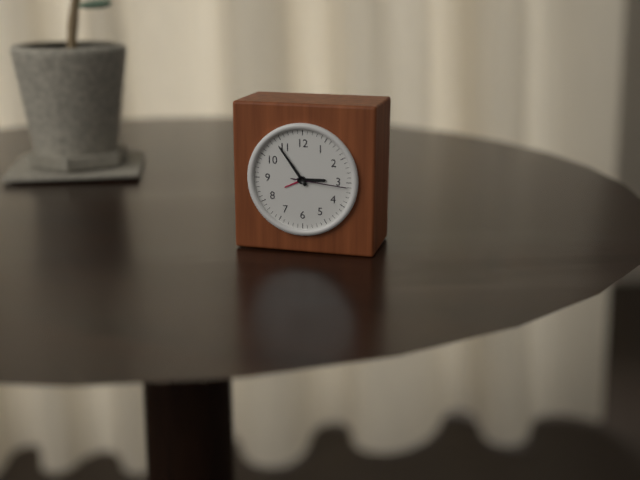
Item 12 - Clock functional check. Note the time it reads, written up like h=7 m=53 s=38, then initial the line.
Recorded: h=2 m=54 s=16
